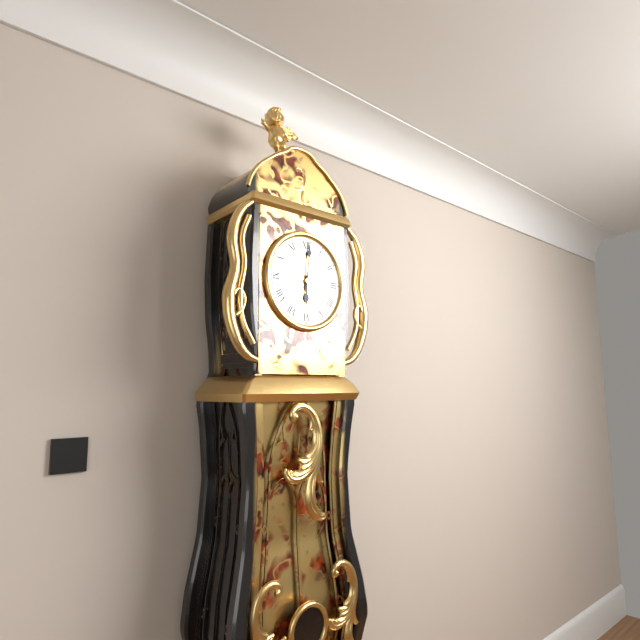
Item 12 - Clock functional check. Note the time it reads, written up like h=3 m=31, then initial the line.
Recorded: h=6 m=1
